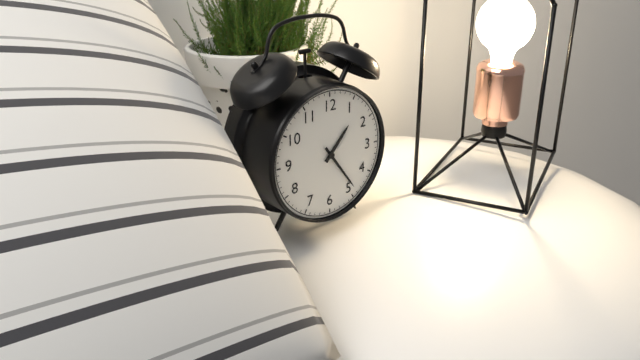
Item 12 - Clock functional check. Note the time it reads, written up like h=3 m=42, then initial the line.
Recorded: h=1 m=24
